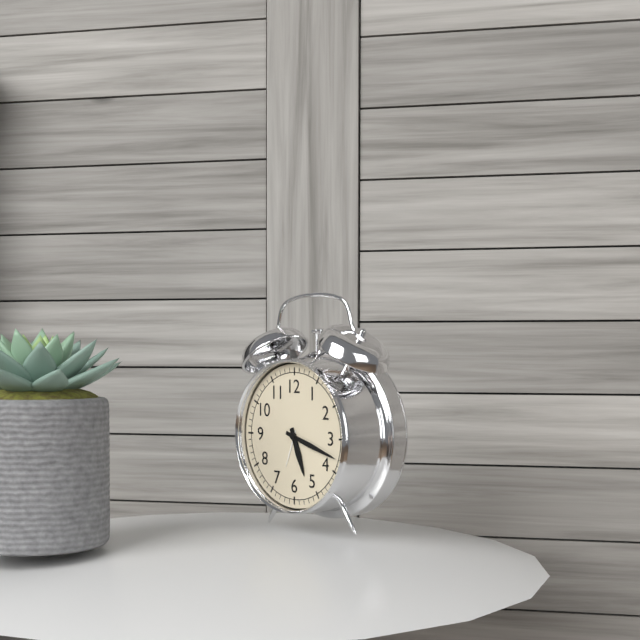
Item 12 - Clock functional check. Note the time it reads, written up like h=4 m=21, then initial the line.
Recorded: h=5 m=18
